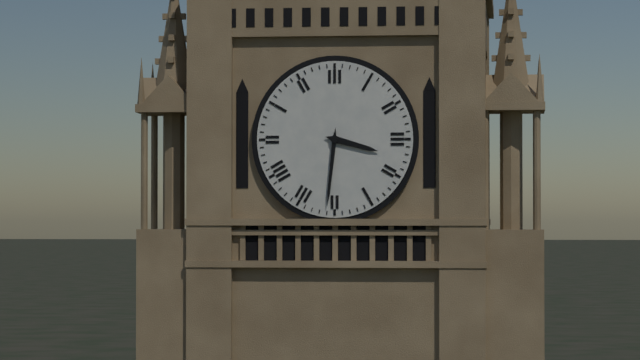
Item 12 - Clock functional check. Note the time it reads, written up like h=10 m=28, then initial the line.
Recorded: h=3 m=31
